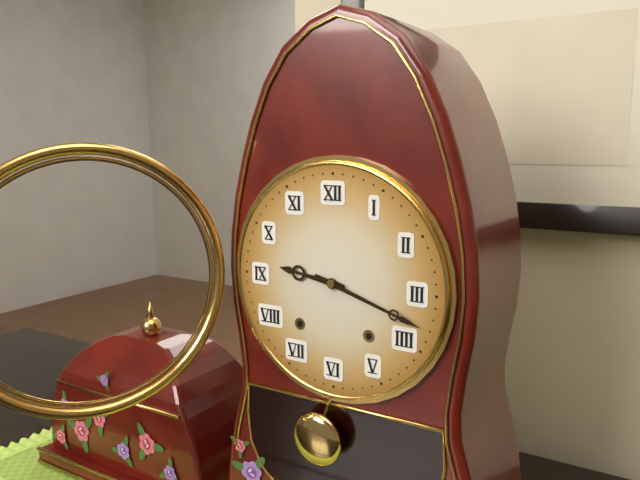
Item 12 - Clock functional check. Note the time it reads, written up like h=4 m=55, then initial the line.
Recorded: h=9 m=18
